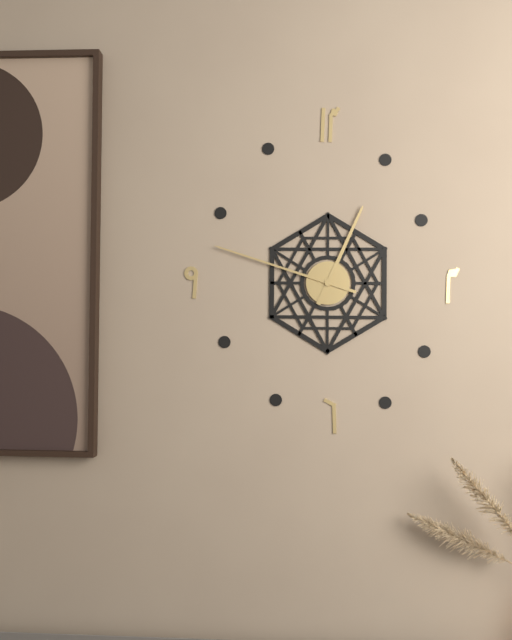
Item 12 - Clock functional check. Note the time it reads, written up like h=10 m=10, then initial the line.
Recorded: h=12 m=48
